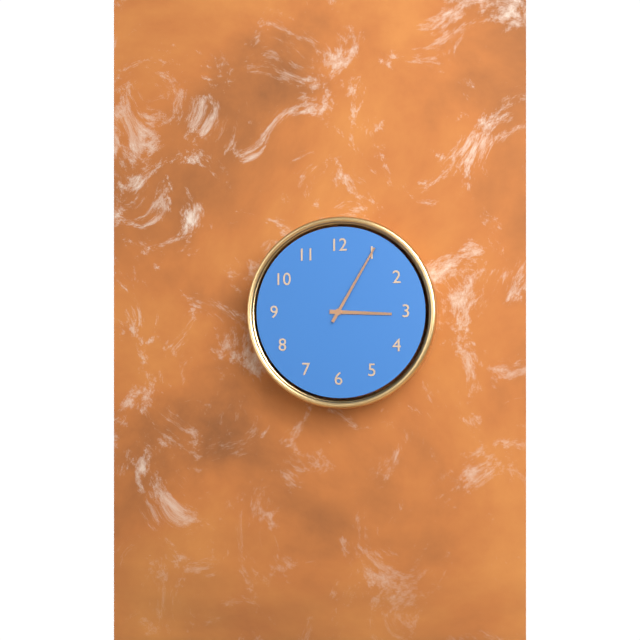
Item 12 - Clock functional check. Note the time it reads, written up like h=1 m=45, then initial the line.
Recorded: h=3 m=5
